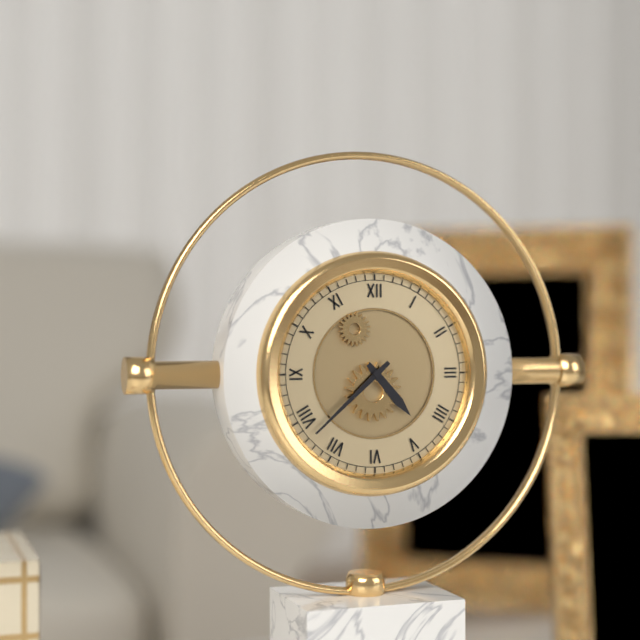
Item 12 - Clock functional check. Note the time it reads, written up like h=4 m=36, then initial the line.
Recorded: h=4 m=38
